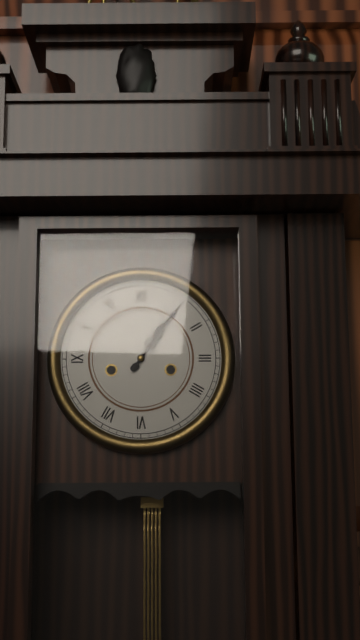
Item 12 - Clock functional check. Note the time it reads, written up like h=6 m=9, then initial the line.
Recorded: h=1 m=6
